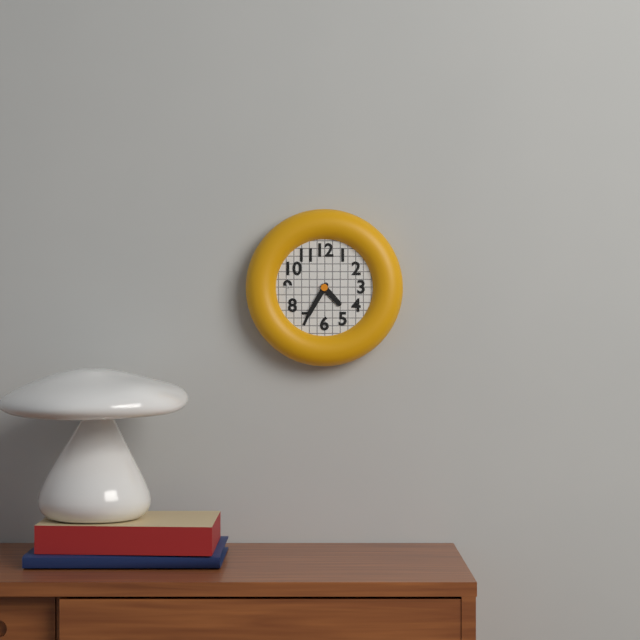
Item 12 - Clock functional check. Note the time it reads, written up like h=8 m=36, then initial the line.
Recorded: h=4 m=35
